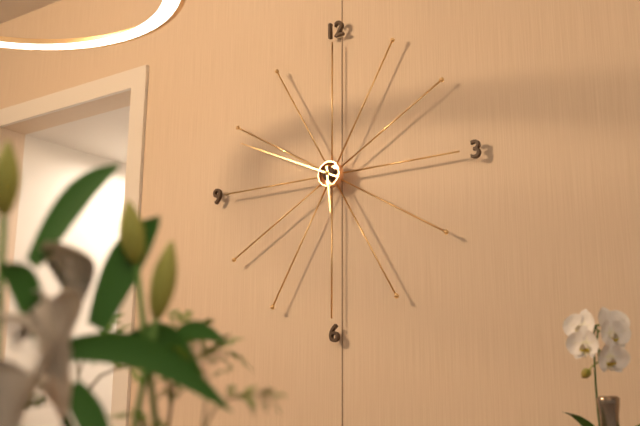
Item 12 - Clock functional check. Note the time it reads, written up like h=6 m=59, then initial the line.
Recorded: h=5 m=49
